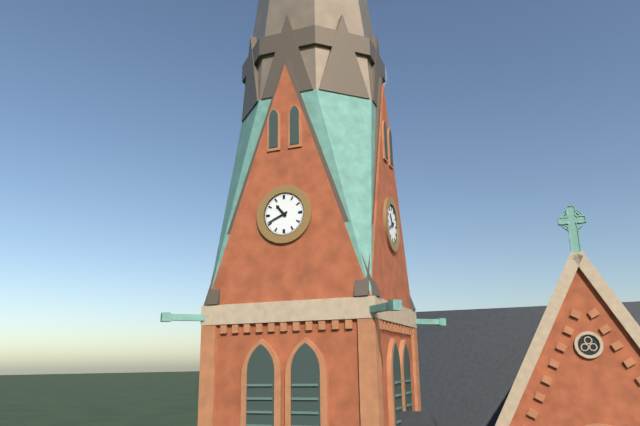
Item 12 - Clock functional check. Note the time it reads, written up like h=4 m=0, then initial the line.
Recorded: h=10 m=41
